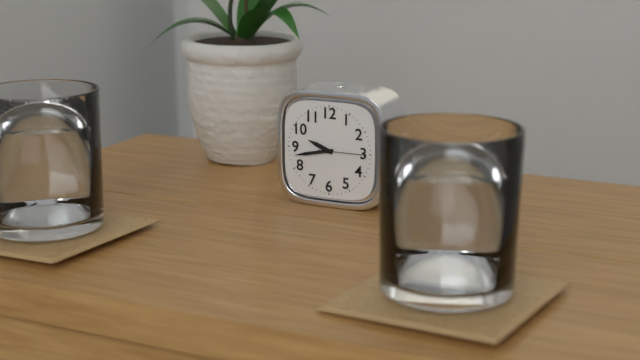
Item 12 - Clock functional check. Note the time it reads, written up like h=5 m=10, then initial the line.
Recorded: h=9 m=43
